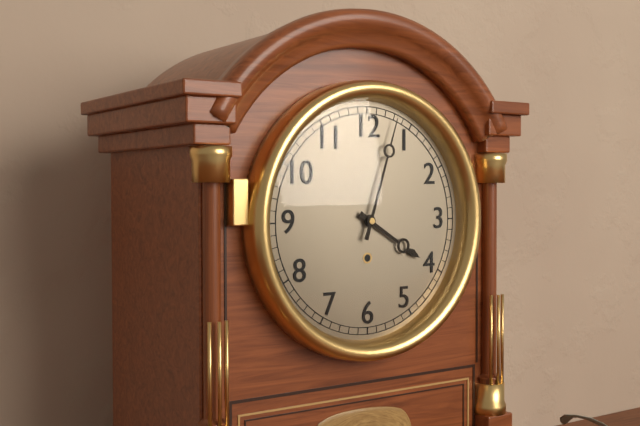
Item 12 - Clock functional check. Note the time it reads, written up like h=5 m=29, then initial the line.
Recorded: h=4 m=3
